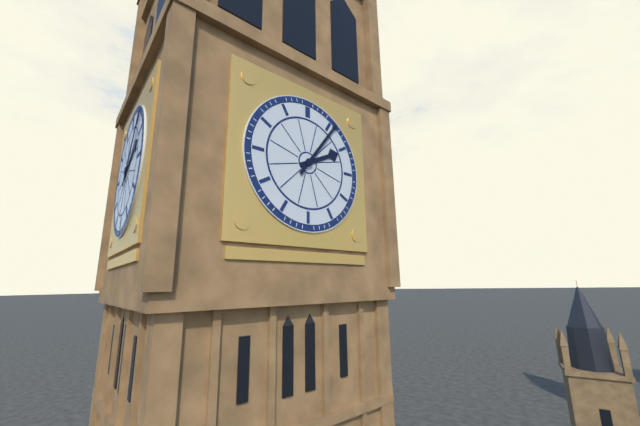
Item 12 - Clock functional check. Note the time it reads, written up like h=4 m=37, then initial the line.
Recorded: h=2 m=6
